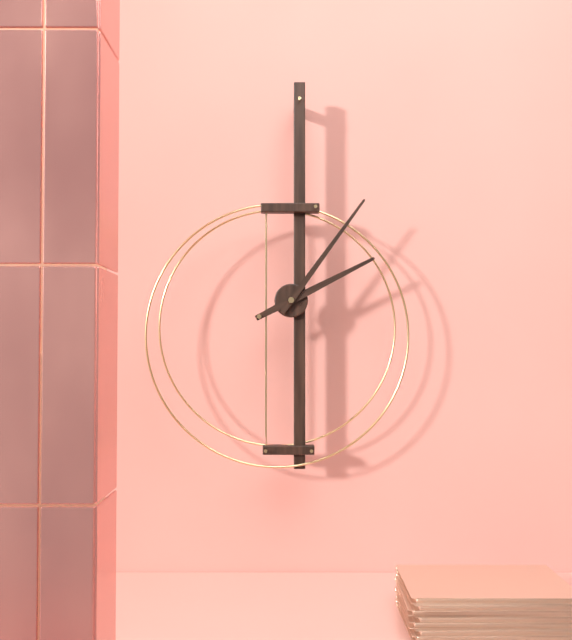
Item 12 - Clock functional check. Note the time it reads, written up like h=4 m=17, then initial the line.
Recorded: h=2 m=6
